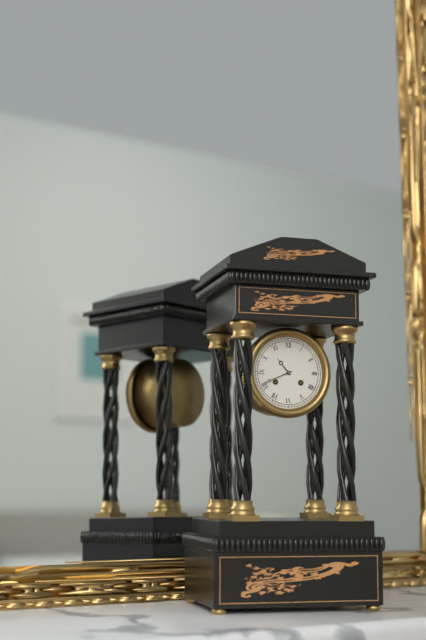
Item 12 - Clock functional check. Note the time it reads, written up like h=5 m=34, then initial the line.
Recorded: h=10 m=41
